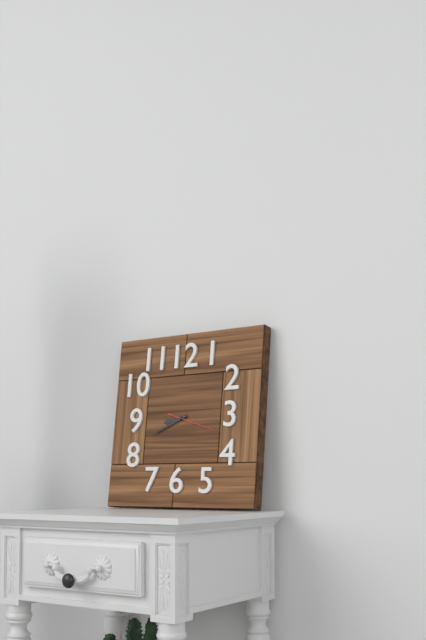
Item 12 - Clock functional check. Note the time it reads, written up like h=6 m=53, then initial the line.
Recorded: h=8 m=41
